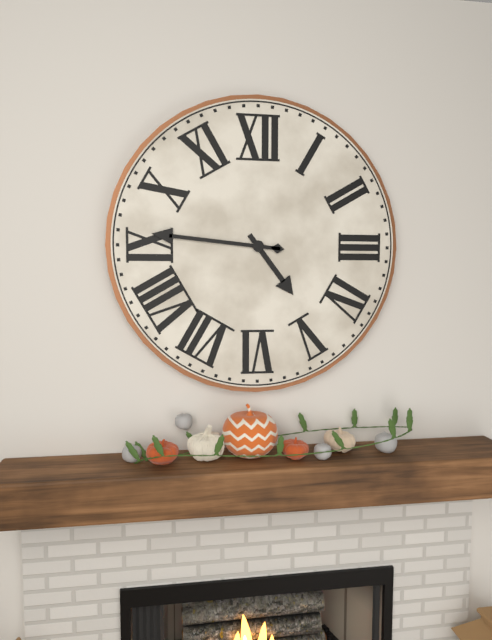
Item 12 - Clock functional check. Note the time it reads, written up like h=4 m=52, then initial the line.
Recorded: h=4 m=46
